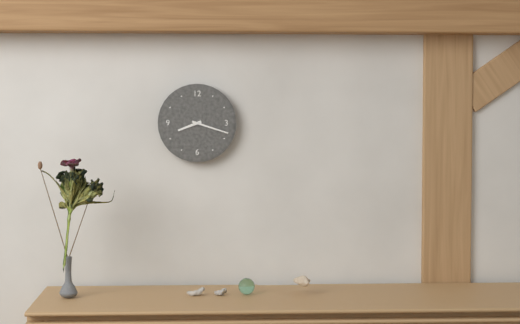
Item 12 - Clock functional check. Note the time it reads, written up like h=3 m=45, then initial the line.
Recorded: h=8 m=18
